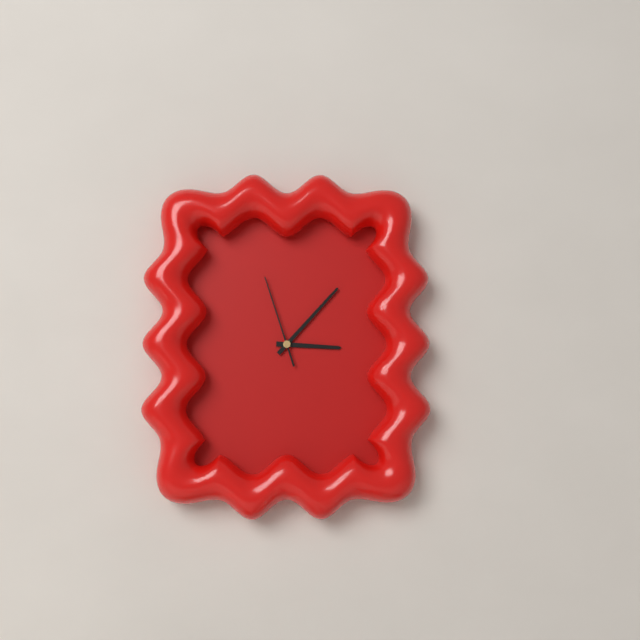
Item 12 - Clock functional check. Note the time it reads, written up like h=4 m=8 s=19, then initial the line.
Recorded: h=3 m=7 s=57
